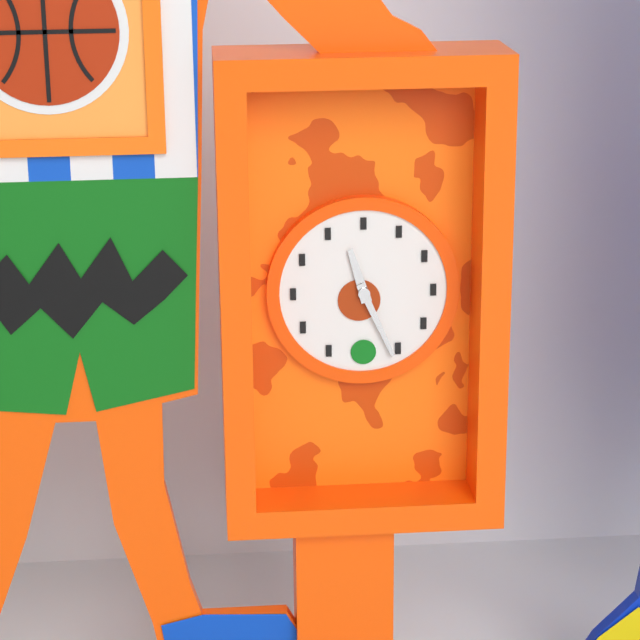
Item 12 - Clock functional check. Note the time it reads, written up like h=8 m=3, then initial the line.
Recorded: h=11 m=26
